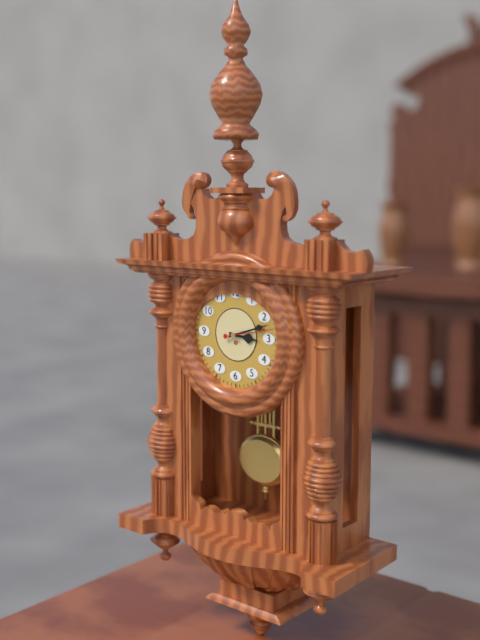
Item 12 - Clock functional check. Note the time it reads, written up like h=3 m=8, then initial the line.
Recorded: h=3 m=12
